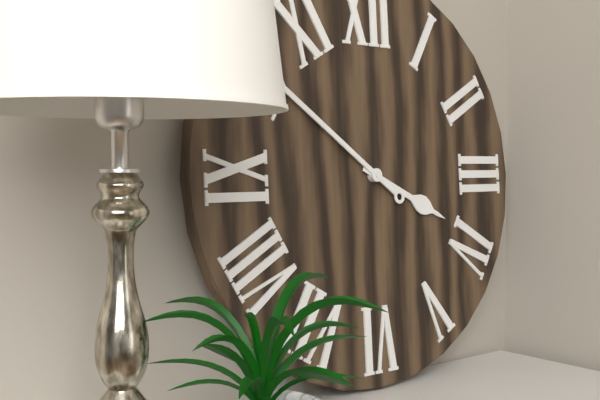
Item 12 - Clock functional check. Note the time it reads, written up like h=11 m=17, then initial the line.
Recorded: h=3 m=51
